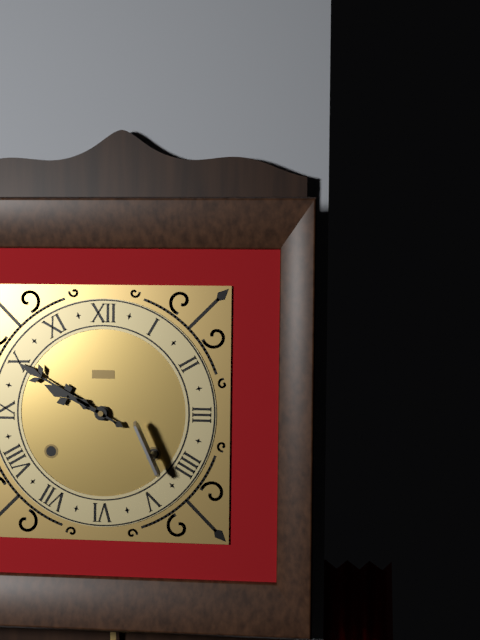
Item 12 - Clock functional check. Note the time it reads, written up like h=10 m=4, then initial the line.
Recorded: h=9 m=50
